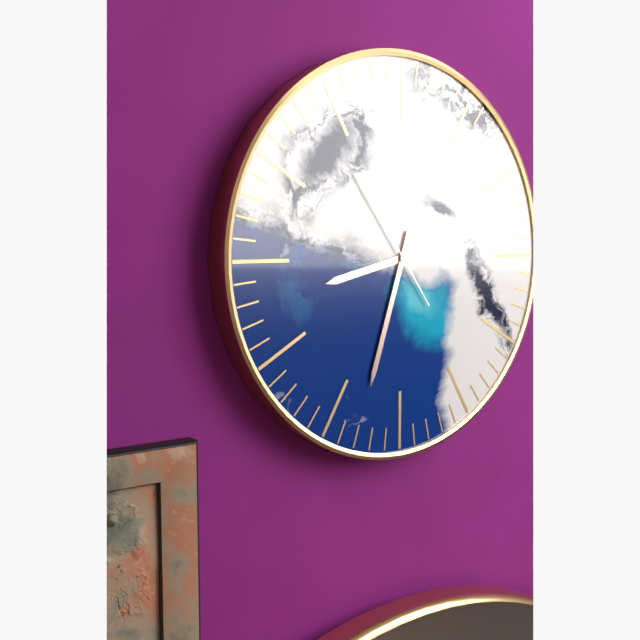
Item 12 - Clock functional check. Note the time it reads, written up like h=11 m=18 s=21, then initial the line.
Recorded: h=8 m=33 s=54
